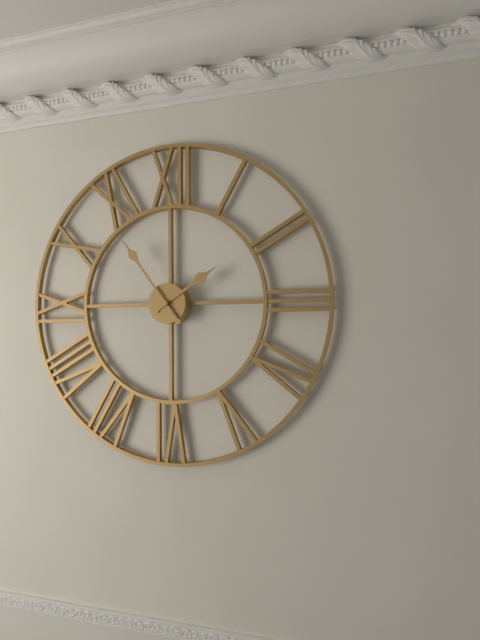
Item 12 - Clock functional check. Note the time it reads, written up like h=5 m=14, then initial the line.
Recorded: h=1 m=54
